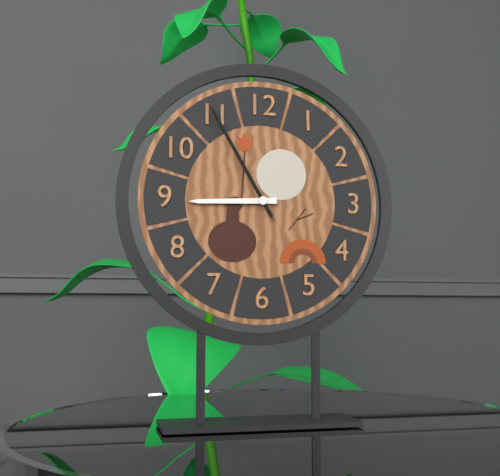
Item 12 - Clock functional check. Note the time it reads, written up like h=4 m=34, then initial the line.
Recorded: h=8 m=55
